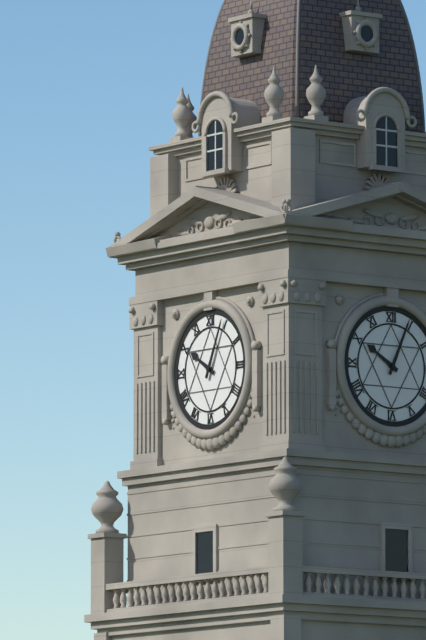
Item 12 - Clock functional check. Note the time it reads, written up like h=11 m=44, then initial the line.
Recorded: h=10 m=4
